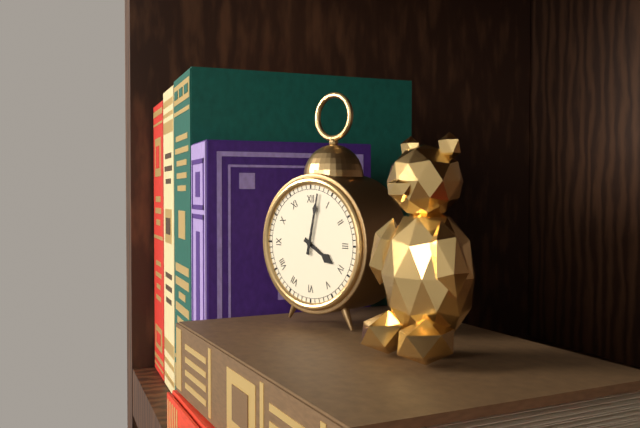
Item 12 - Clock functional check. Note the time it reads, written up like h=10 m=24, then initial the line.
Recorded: h=4 m=2
